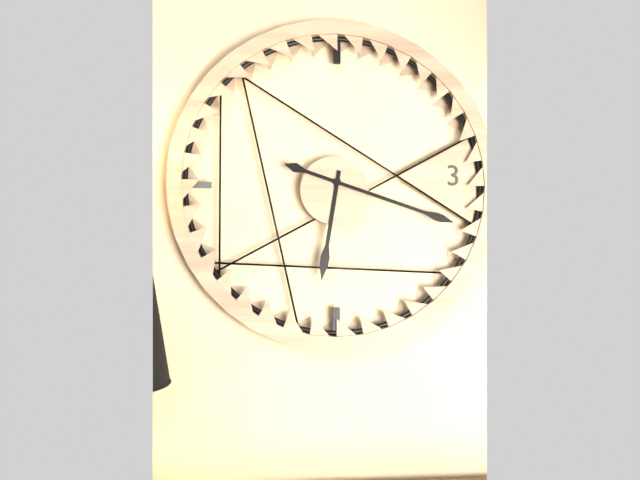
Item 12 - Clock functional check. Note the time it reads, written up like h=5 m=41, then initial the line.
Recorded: h=6 m=18
